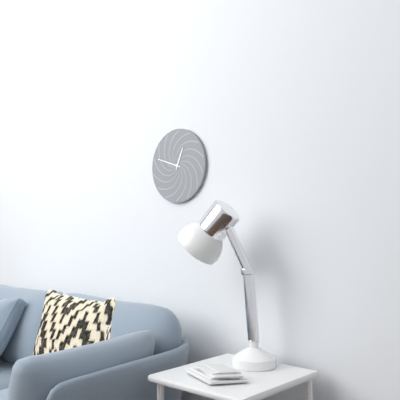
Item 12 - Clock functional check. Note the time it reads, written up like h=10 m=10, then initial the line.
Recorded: h=12 m=48
